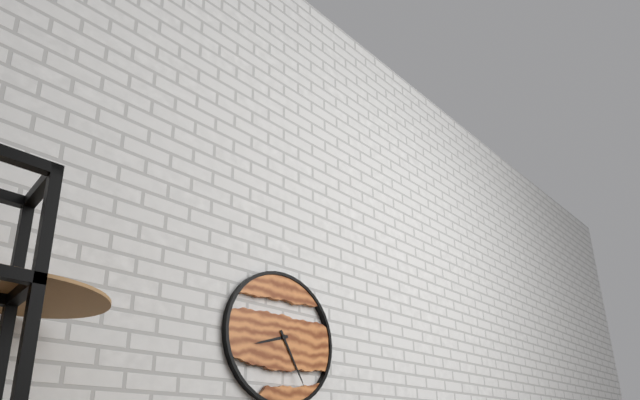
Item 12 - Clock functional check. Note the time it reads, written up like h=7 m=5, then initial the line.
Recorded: h=8 m=25
